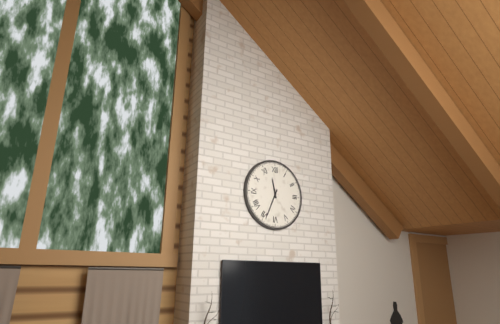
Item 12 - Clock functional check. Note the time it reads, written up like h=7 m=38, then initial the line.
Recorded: h=11 m=34
